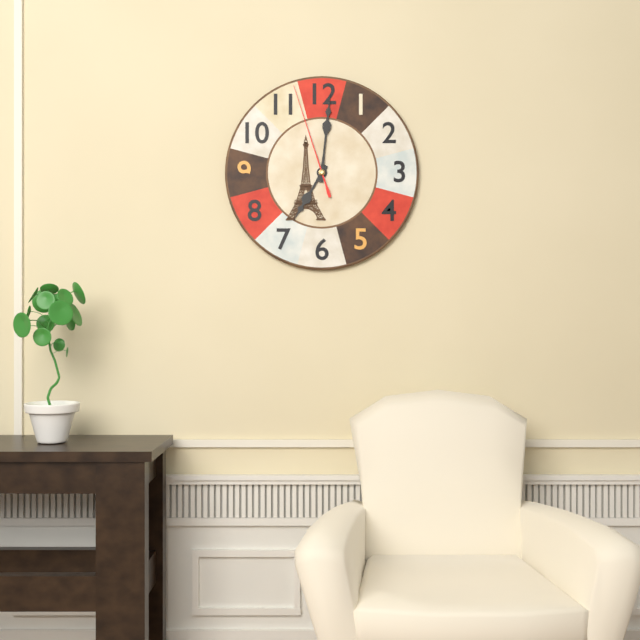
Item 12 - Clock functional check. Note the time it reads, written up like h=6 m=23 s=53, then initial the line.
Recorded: h=7 m=1 s=57
